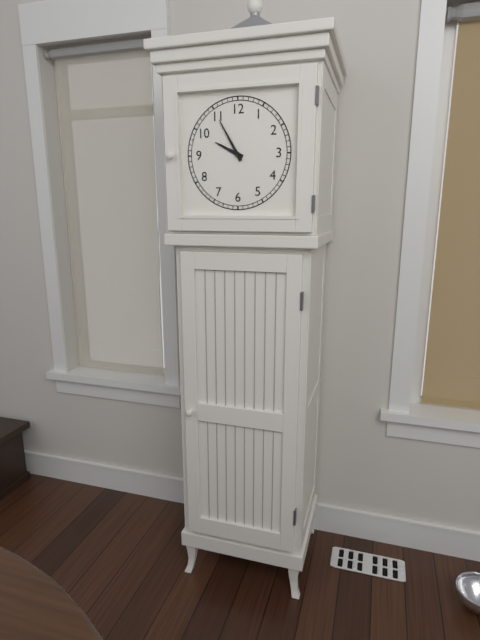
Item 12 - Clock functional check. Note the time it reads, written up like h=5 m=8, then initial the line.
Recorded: h=9 m=55
